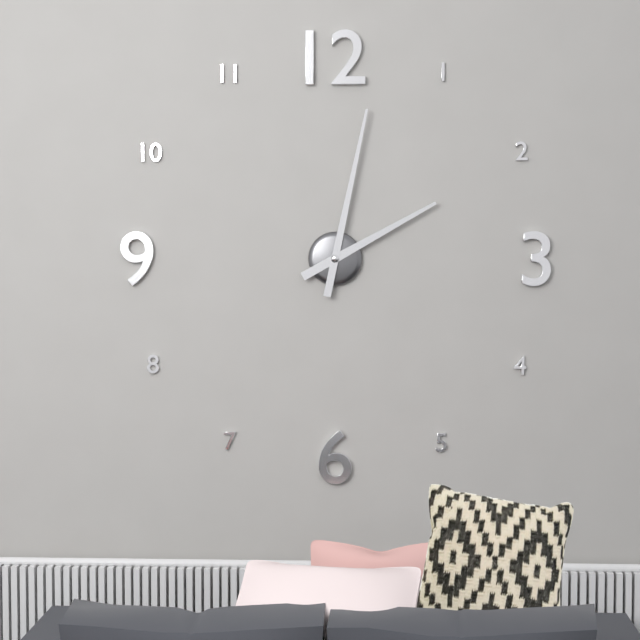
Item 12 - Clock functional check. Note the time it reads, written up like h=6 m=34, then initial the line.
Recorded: h=2 m=2
